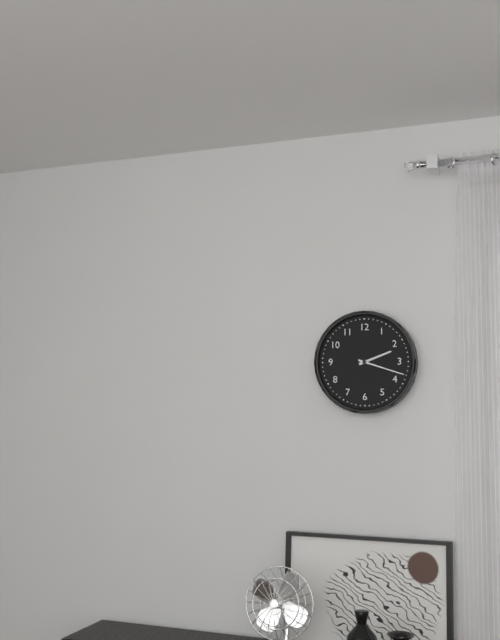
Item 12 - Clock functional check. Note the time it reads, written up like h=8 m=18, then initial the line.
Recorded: h=2 m=18
